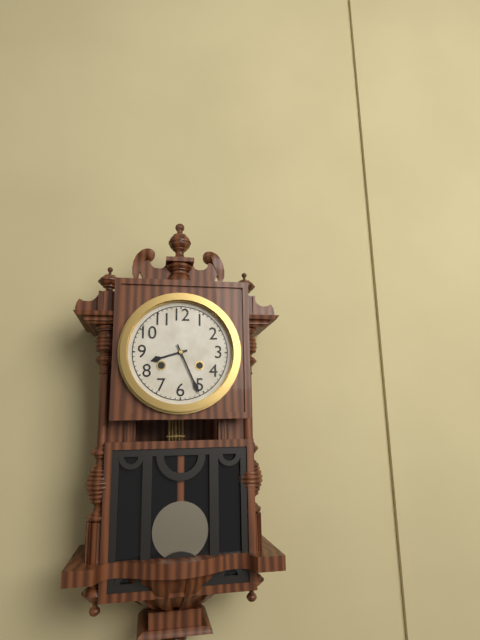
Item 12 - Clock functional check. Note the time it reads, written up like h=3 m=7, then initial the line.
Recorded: h=8 m=26
